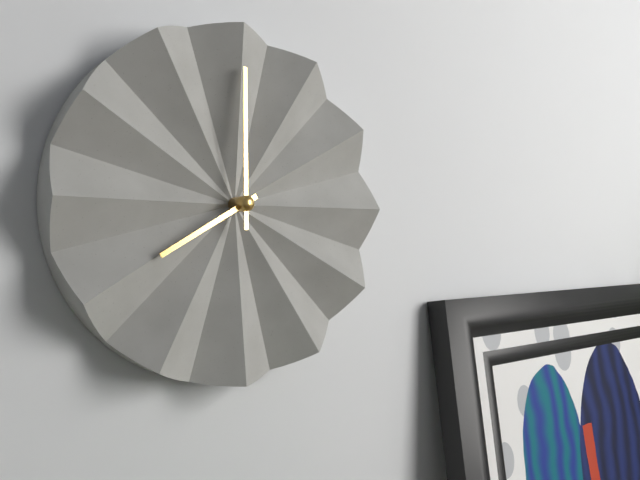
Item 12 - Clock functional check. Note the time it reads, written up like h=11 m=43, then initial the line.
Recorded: h=8 m=0
